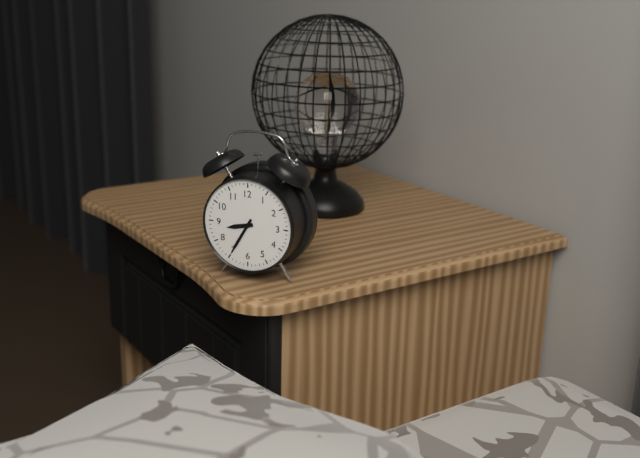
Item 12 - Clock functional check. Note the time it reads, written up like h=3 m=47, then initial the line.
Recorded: h=8 m=35
